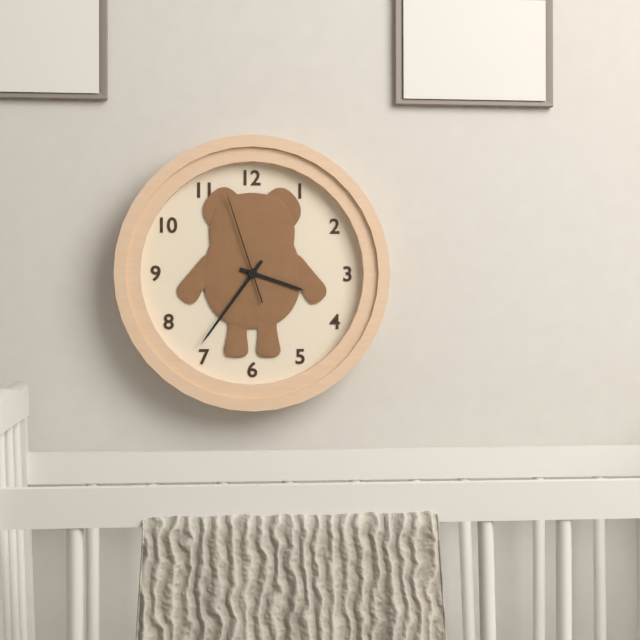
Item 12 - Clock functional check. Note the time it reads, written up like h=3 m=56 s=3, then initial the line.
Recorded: h=3 m=36 s=57
